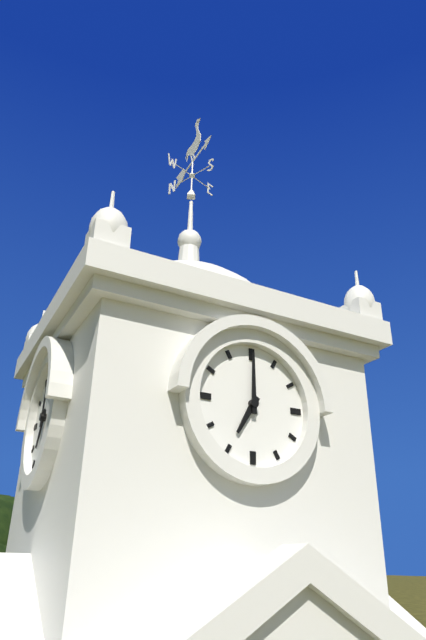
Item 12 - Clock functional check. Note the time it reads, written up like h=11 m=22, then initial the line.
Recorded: h=7 m=0
